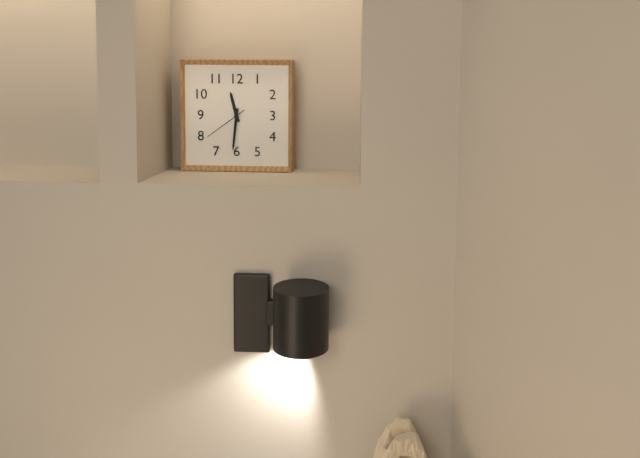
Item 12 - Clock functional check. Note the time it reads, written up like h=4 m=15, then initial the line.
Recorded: h=11 m=31
